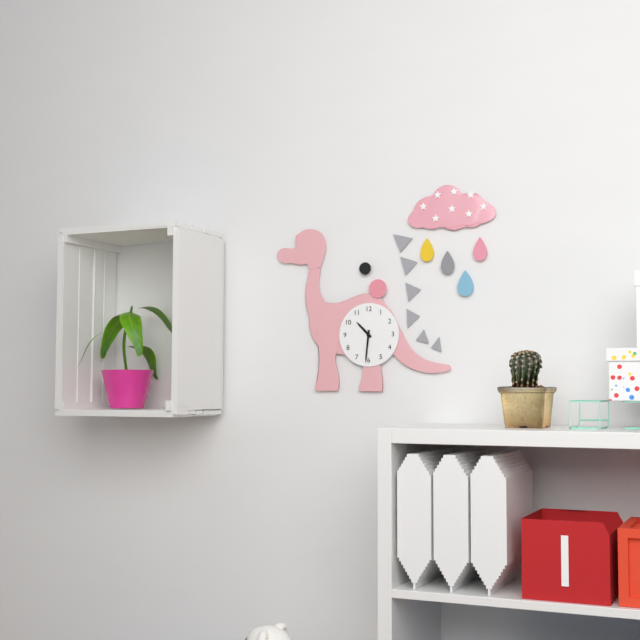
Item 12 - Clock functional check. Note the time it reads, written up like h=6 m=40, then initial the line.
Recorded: h=10 m=31
